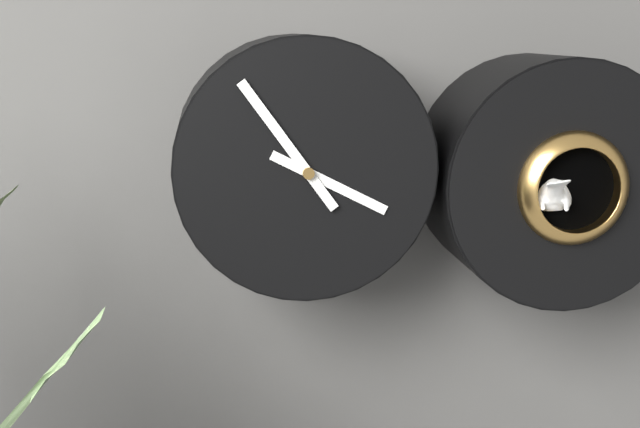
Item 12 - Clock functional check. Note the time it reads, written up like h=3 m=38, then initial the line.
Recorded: h=3 m=54
